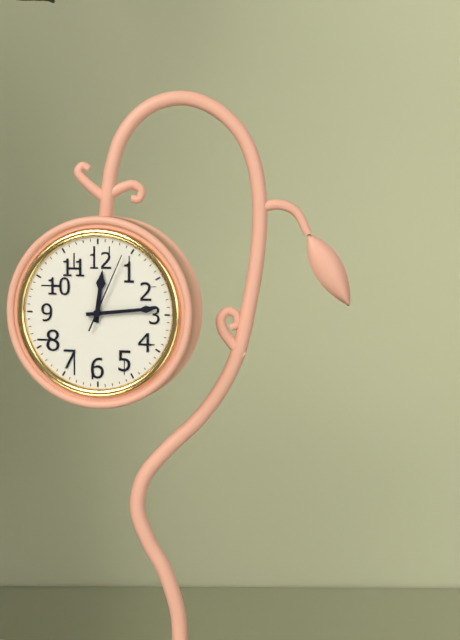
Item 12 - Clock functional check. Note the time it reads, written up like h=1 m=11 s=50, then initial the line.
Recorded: h=12 m=14 s=4
